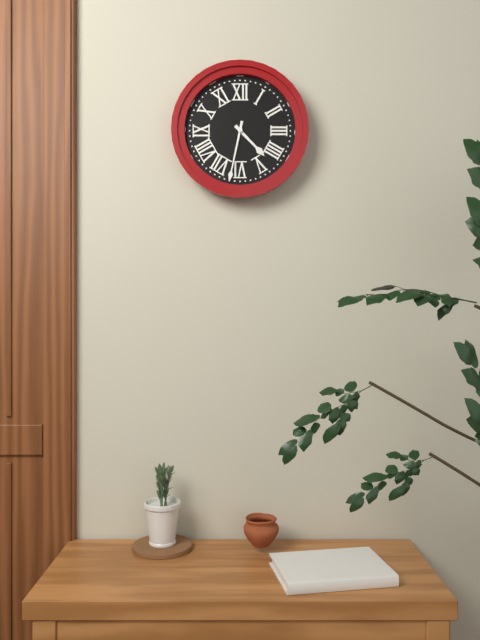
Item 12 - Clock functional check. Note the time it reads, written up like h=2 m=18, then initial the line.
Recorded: h=4 m=32
